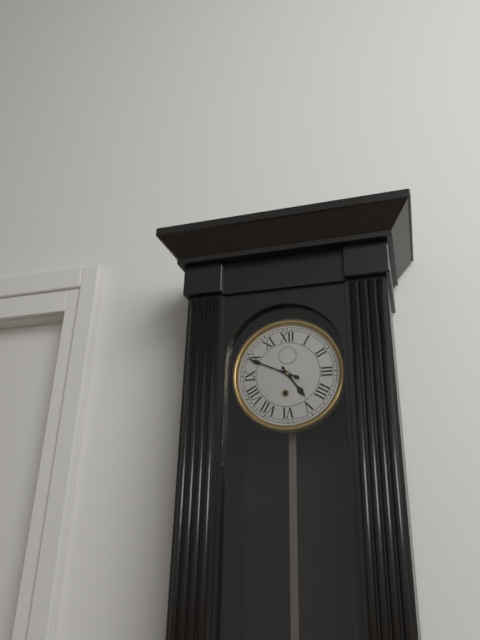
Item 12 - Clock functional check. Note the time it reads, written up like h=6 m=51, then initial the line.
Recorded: h=4 m=49
